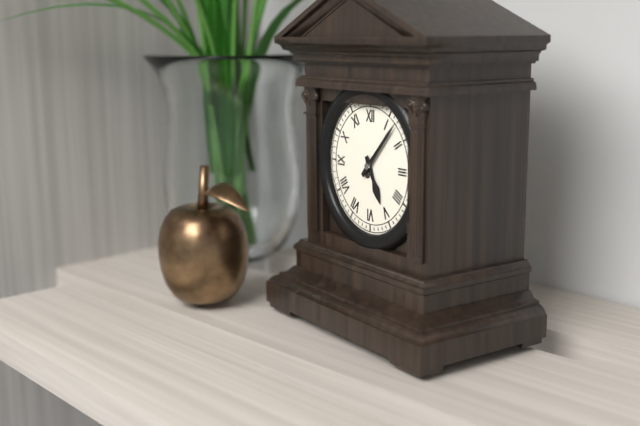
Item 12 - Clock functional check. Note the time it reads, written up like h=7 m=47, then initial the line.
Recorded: h=5 m=7
